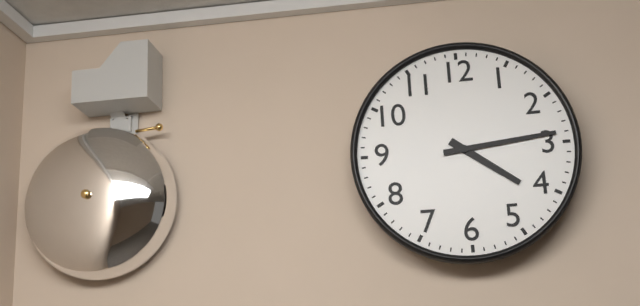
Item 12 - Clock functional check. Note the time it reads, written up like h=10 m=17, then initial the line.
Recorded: h=4 m=14
